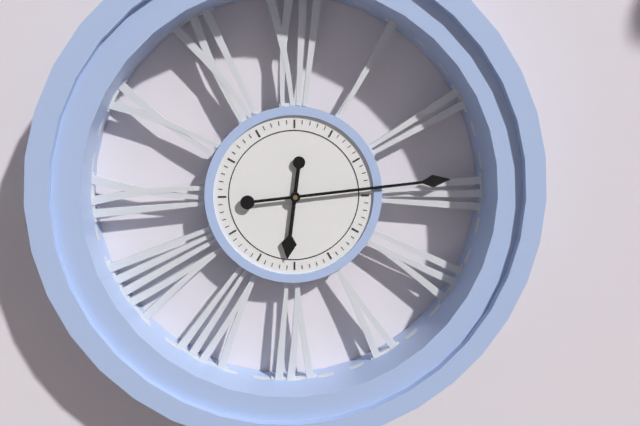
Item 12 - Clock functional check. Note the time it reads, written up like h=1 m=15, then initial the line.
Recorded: h=6 m=14
